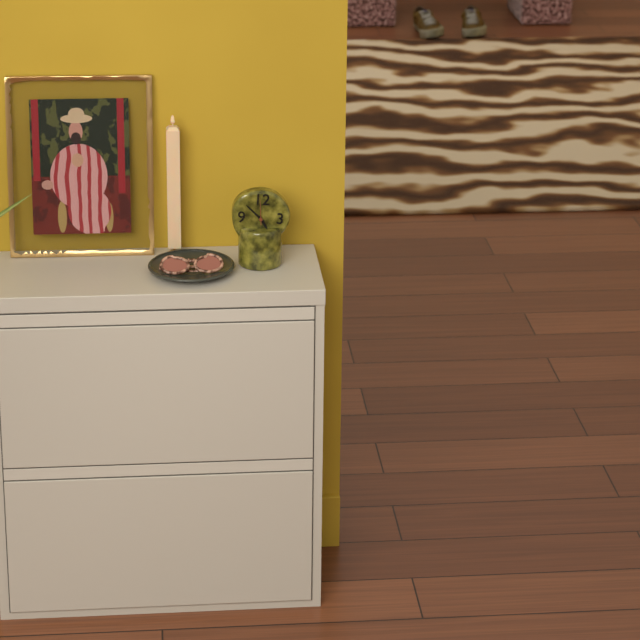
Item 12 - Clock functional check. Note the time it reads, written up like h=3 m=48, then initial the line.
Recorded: h=4 m=52
